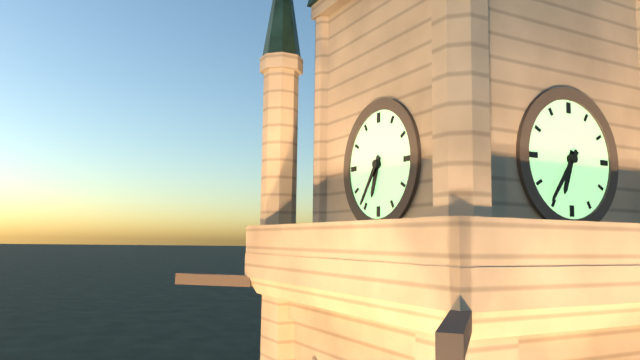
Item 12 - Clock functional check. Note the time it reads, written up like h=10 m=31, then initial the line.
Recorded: h=6 m=36
